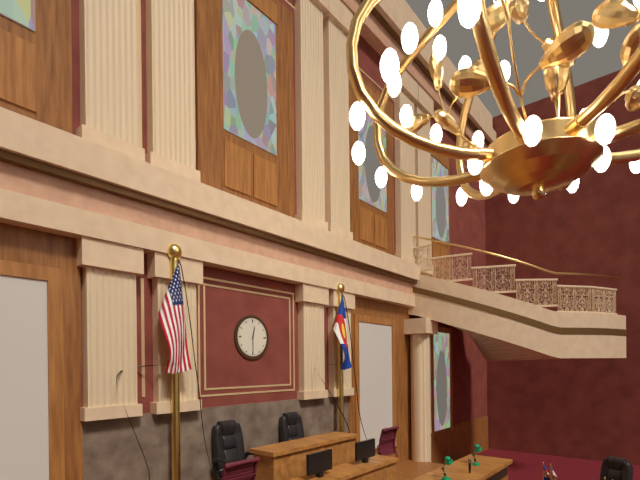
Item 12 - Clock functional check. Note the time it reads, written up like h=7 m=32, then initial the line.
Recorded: h=12 m=30
